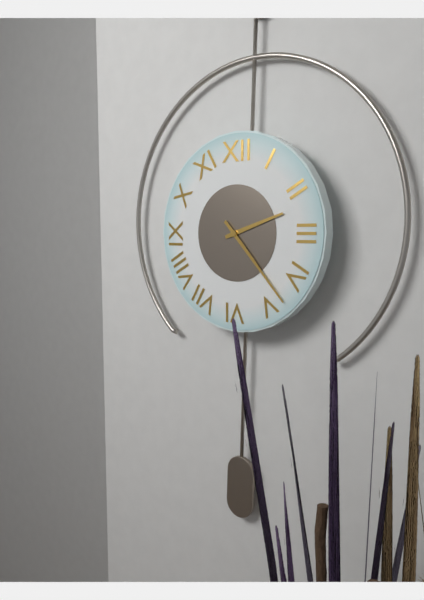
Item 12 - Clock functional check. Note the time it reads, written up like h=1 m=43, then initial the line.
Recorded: h=2 m=23
